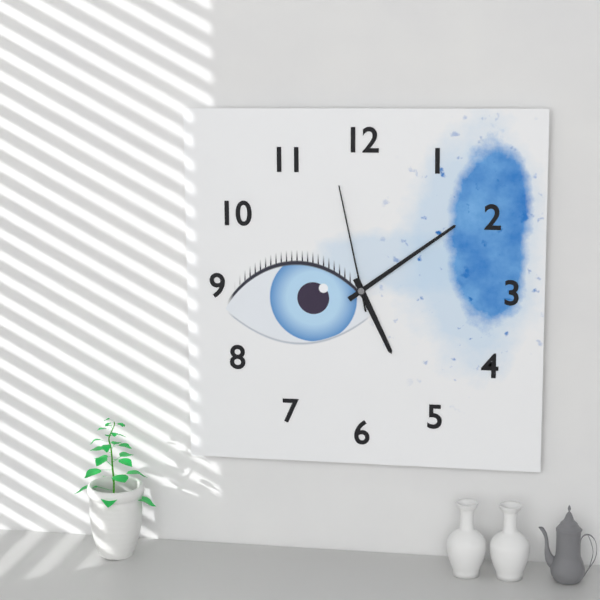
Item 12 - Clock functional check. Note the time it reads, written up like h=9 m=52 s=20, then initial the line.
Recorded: h=5 m=9 s=58
